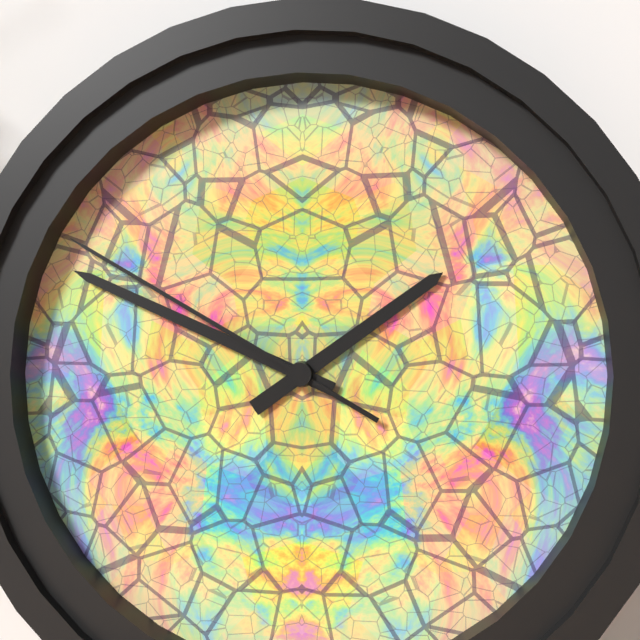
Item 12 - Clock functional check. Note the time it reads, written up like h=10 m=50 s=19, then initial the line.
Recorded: h=1 m=49 s=50
